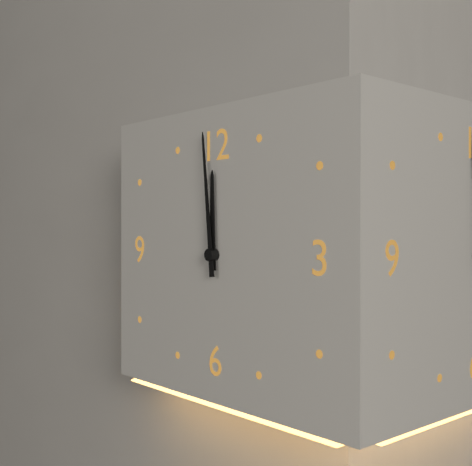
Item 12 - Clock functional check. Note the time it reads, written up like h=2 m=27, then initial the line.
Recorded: h=11 m=59
